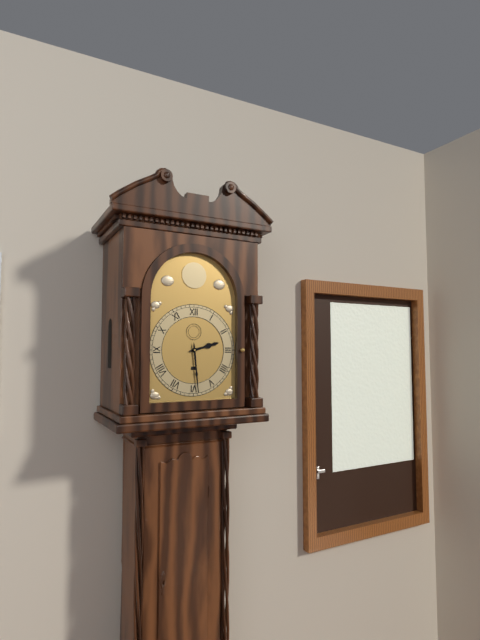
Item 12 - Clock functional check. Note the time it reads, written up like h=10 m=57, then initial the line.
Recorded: h=2 m=29
